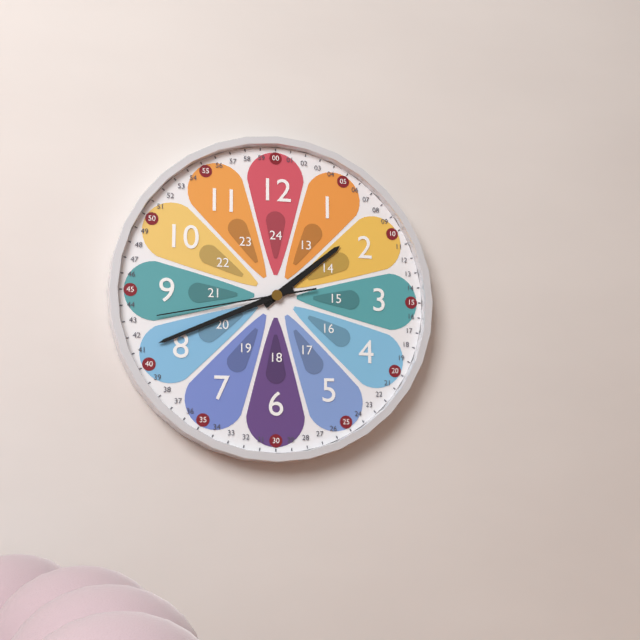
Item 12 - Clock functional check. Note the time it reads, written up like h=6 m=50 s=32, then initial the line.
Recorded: h=1 m=41 s=43
